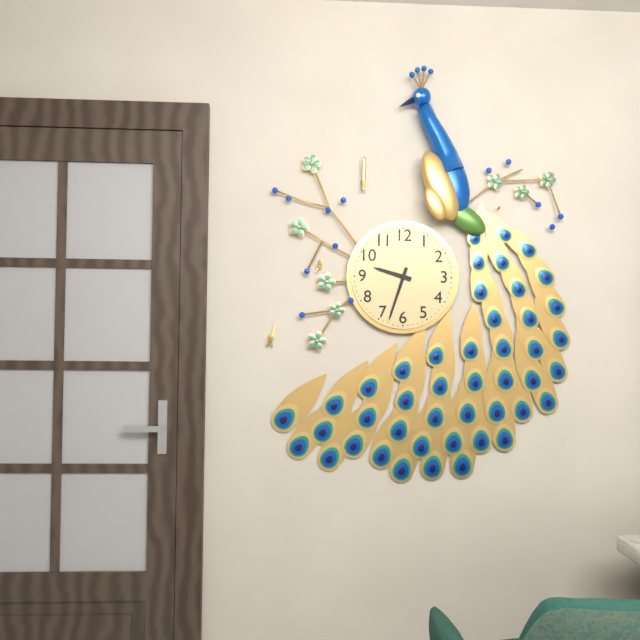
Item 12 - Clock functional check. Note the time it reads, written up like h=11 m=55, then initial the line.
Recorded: h=9 m=33
